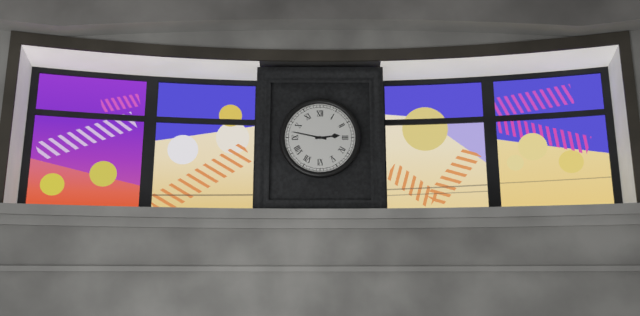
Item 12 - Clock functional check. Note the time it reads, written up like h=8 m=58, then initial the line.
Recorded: h=2 m=47
